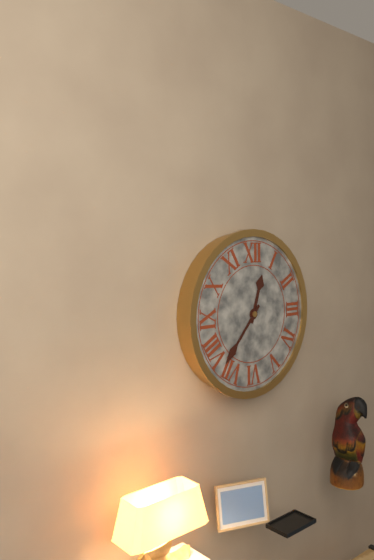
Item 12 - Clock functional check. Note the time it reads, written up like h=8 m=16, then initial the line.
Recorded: h=12 m=37
